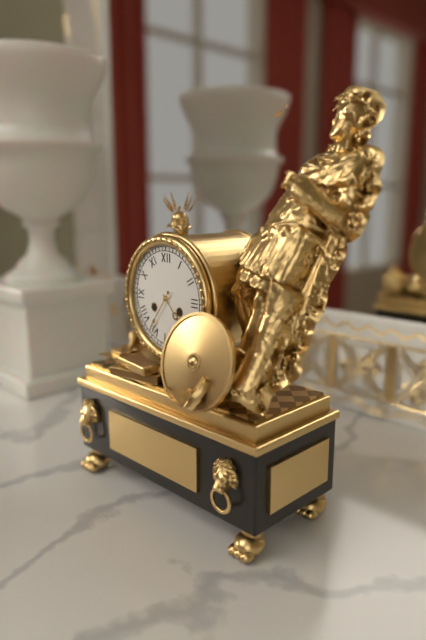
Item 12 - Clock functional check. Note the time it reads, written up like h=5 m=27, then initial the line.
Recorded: h=4 m=36
